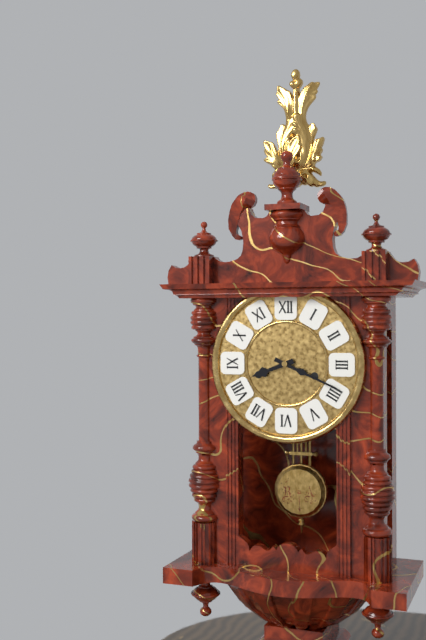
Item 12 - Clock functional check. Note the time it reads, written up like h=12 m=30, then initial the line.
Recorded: h=8 m=19
